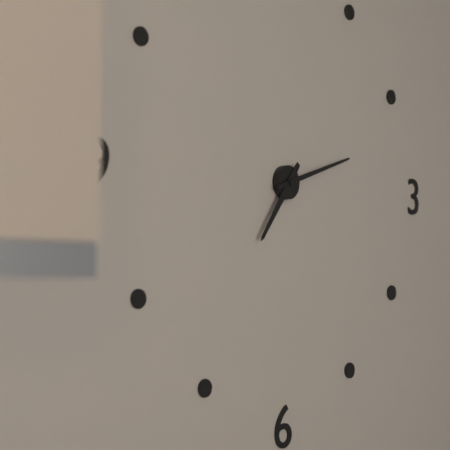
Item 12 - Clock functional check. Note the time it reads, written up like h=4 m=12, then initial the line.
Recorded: h=7 m=12
